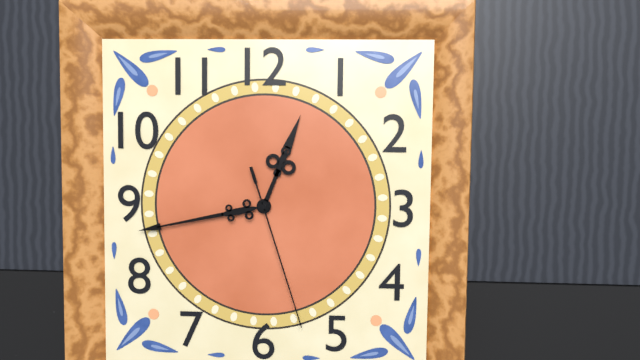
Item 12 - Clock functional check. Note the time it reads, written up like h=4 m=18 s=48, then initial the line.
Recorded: h=12 m=43 s=27
